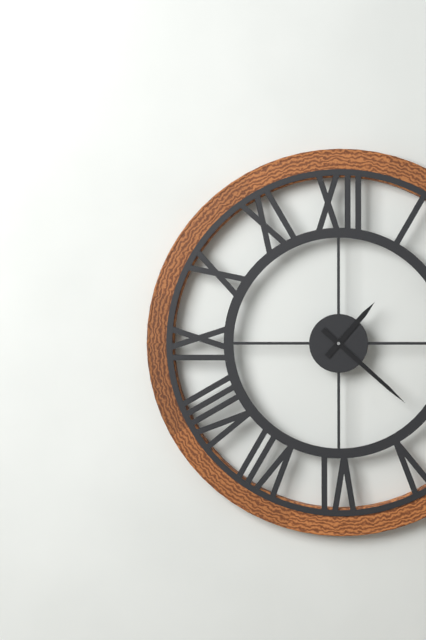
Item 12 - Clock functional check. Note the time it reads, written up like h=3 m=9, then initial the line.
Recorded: h=1 m=22
